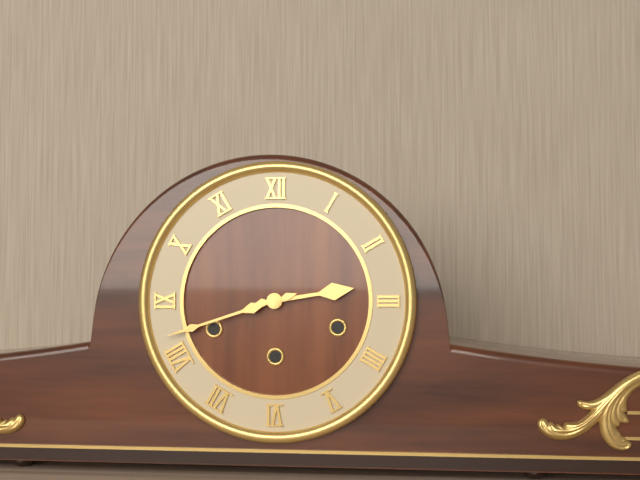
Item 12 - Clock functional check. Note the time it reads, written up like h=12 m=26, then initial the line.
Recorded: h=2 m=42
